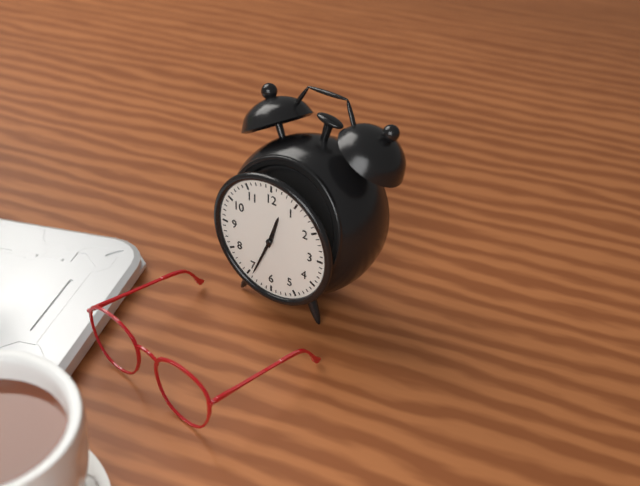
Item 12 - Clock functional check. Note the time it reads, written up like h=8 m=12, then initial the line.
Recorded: h=12 m=34
